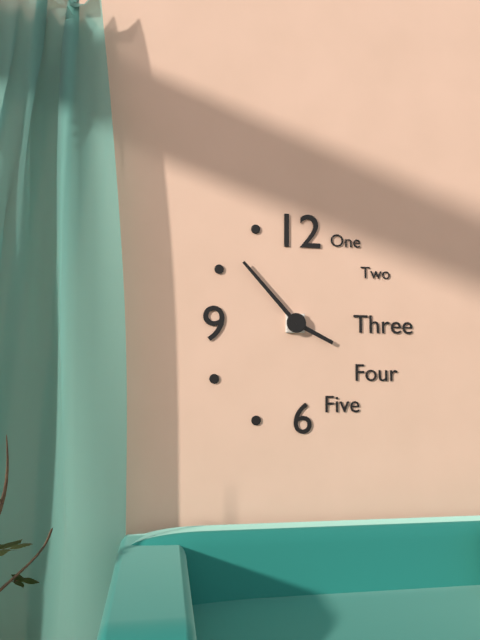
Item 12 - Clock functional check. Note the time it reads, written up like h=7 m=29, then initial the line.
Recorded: h=3 m=53
